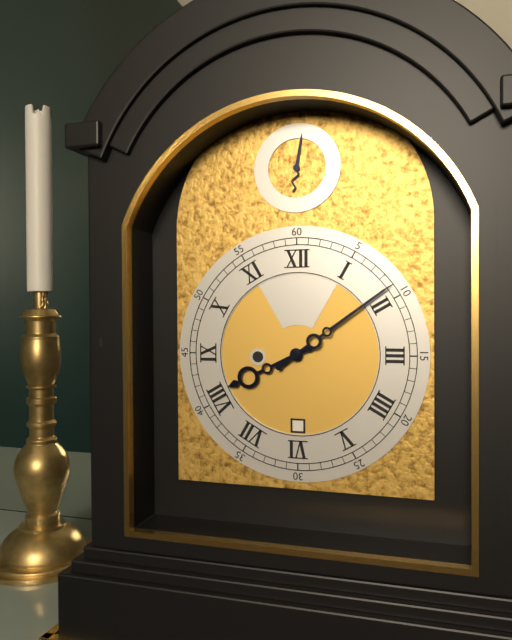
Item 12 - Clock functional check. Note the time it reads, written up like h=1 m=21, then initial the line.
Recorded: h=8 m=9
